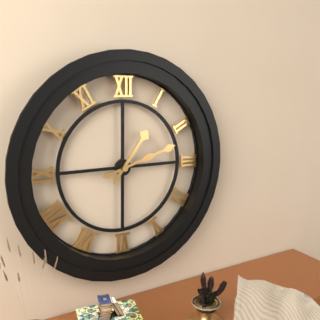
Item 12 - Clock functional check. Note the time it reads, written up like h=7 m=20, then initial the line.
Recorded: h=1 m=12
